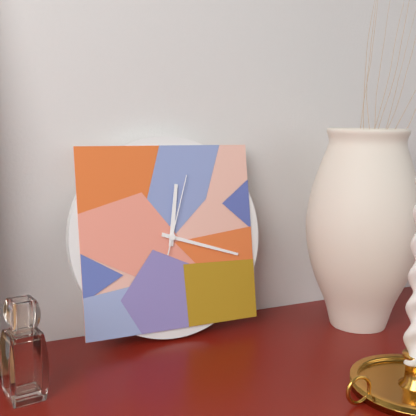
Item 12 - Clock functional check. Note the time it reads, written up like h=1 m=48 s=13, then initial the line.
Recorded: h=12 m=18 s=3
